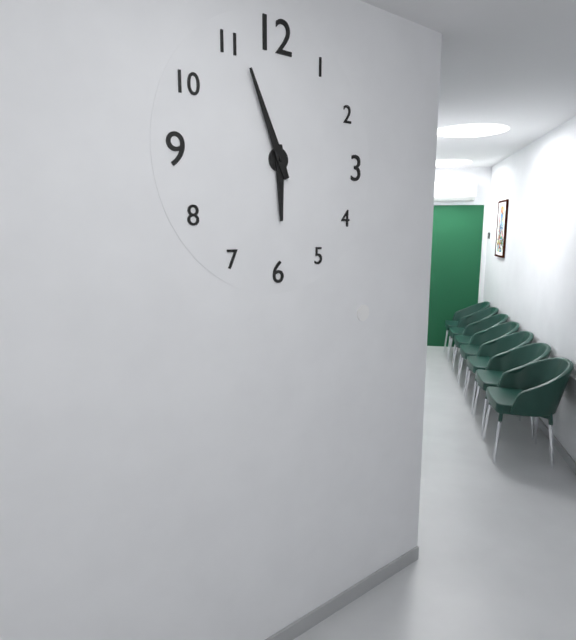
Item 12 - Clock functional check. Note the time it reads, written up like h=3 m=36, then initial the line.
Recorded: h=5 m=56
